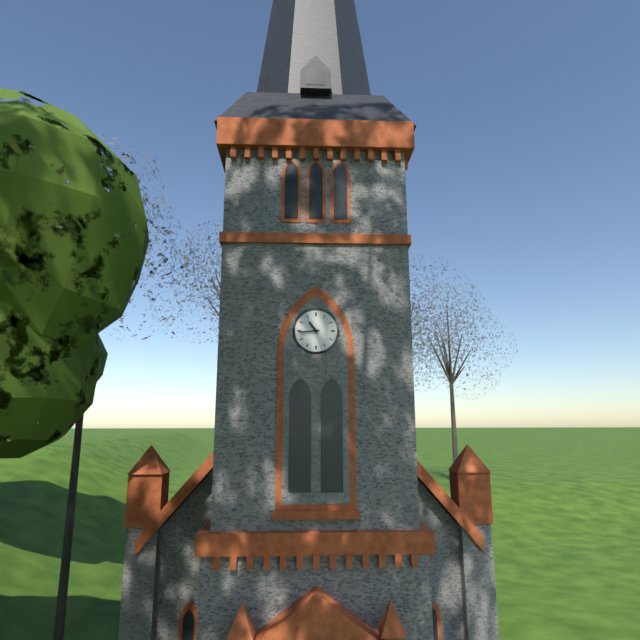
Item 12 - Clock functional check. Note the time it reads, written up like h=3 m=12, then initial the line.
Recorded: h=10 m=44
